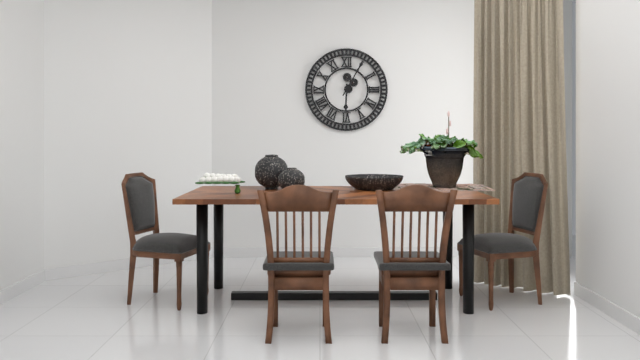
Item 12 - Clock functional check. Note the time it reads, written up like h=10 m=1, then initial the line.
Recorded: h=6 m=5
